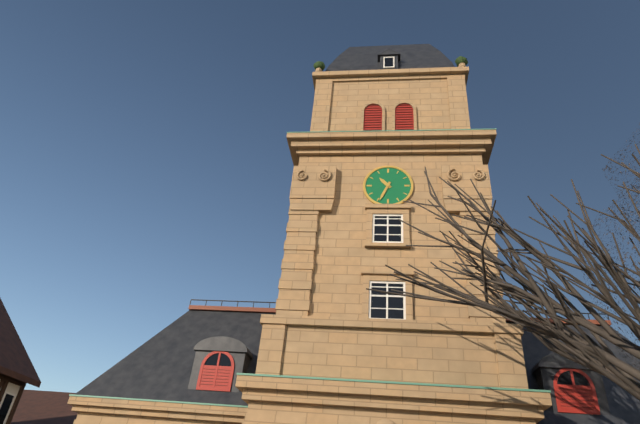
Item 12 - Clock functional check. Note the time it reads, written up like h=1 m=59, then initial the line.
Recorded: h=10 m=34
